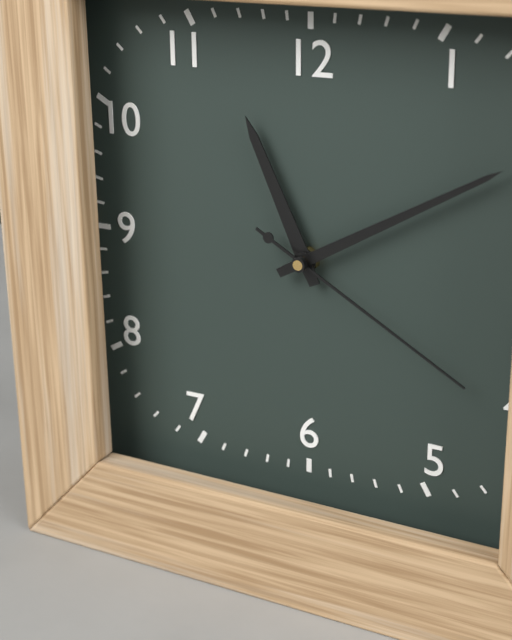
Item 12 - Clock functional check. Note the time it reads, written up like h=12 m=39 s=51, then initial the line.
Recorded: h=11 m=10 s=20
